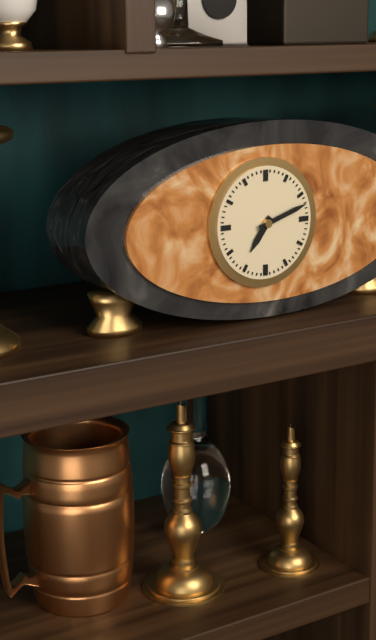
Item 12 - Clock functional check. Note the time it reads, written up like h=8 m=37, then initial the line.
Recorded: h=7 m=12
